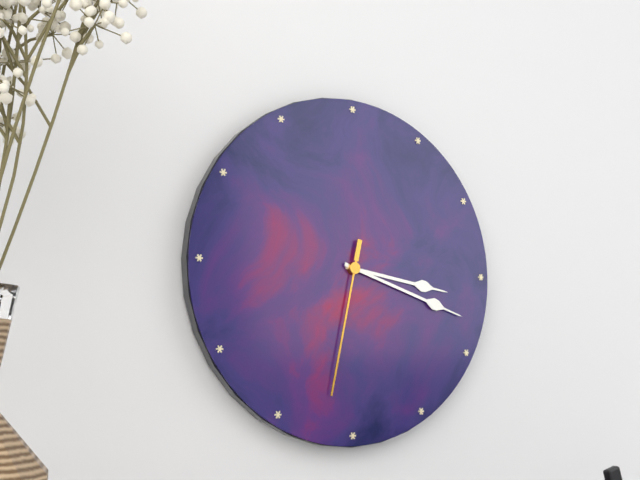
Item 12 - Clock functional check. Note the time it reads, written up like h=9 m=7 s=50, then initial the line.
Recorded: h=3 m=18 s=32
